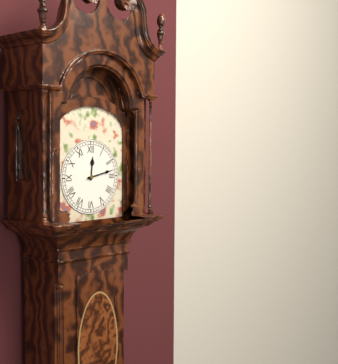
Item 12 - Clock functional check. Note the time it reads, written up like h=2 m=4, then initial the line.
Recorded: h=12 m=13
